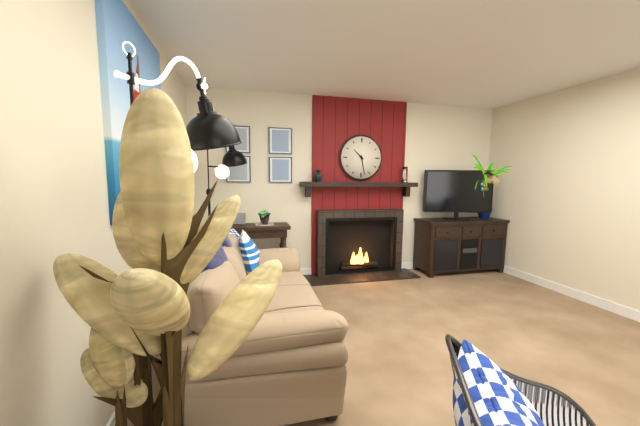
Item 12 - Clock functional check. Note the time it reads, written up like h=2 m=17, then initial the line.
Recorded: h=10 m=28
